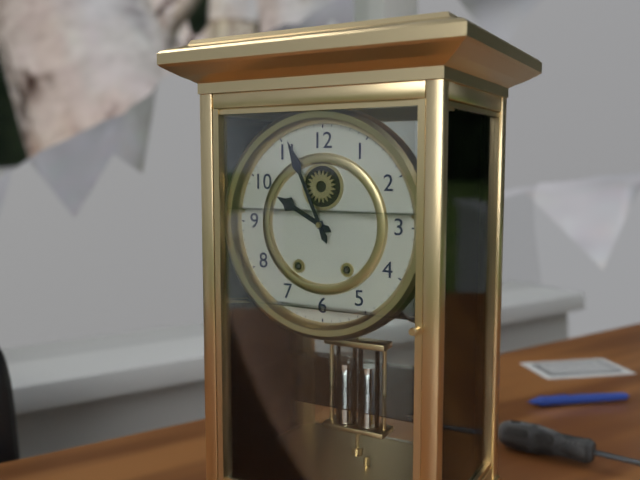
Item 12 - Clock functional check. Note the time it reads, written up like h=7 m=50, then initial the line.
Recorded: h=9 m=56
